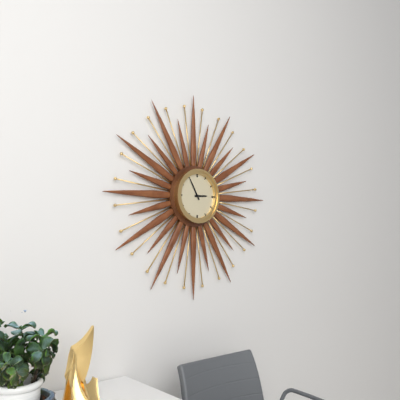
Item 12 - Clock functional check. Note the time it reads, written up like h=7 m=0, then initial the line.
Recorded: h=2 m=55
